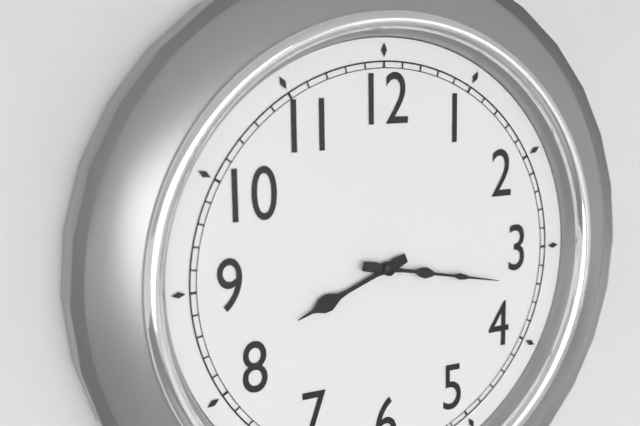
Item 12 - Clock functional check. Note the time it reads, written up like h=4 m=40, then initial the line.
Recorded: h=8 m=17
